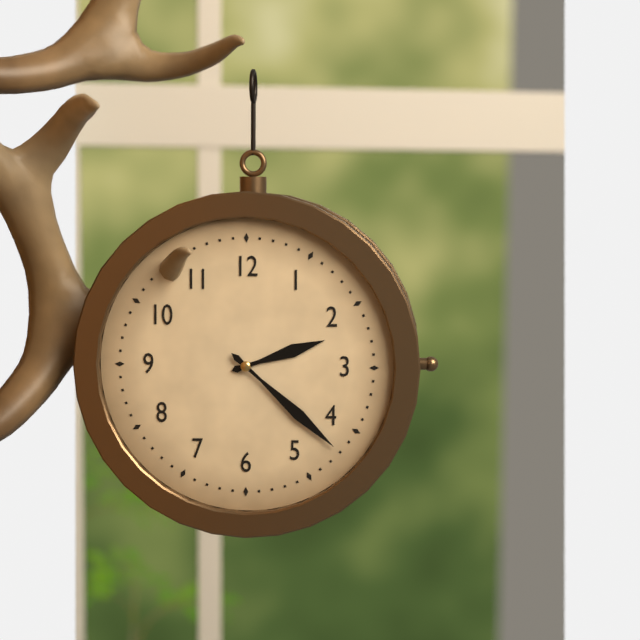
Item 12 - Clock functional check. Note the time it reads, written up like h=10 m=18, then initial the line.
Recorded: h=2 m=22
